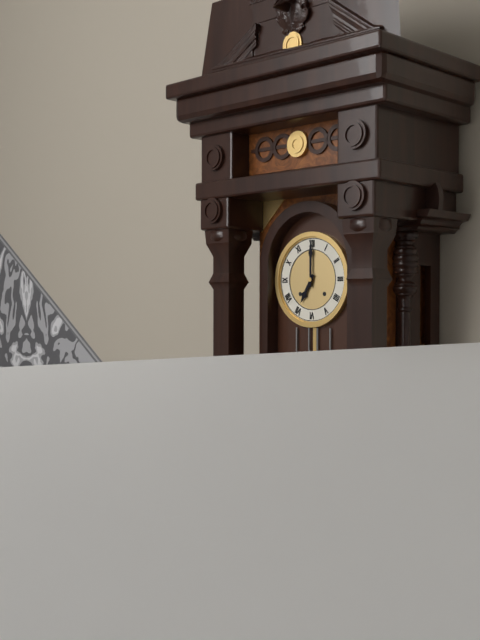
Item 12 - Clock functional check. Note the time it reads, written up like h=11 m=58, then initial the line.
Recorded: h=7 m=0
